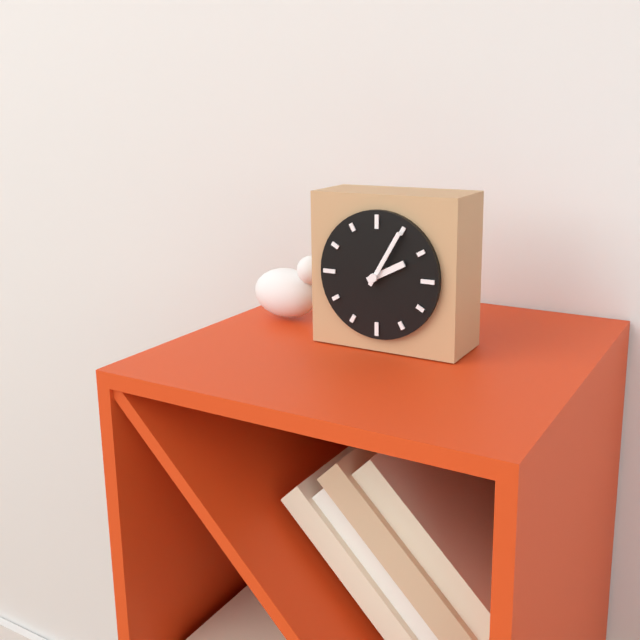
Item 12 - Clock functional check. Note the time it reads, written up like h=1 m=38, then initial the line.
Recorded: h=2 m=5
